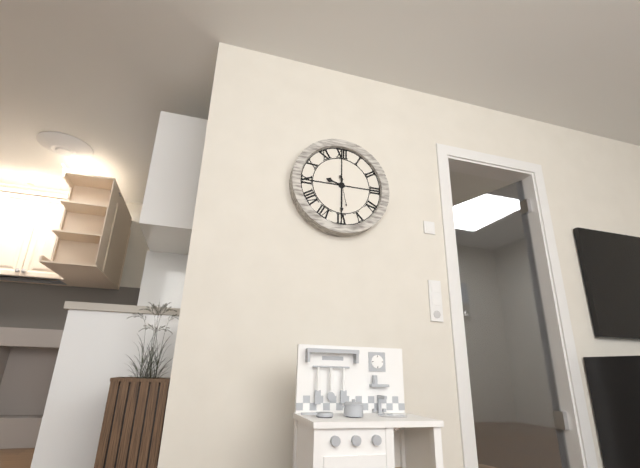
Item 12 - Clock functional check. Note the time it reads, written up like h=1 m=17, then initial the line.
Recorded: h=9 m=30
